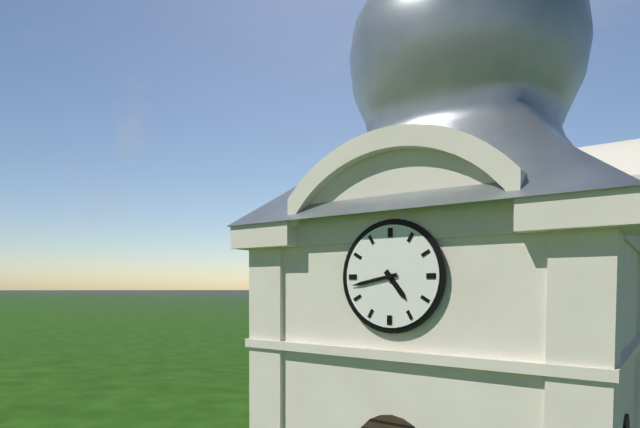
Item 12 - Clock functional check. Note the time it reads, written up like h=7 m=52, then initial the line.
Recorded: h=4 m=43
